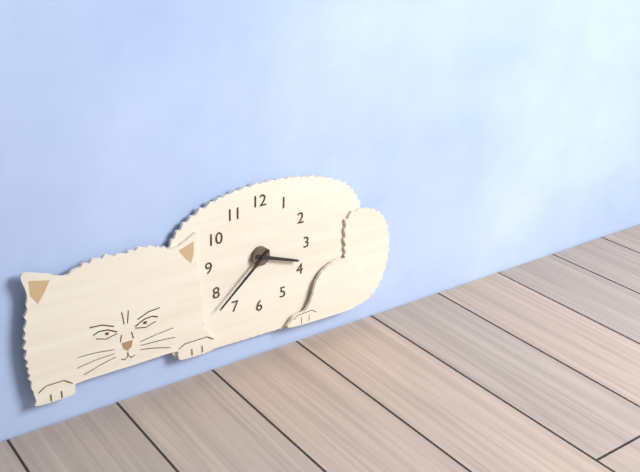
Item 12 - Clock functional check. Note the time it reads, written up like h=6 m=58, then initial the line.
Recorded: h=3 m=38
